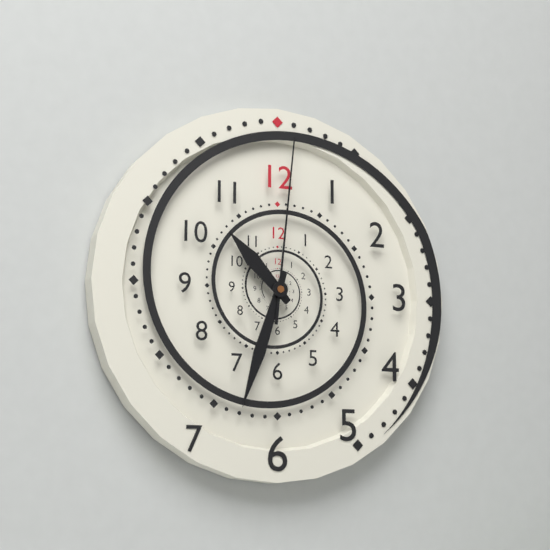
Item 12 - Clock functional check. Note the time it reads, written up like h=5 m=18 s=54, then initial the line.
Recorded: h=10 m=33 s=1
